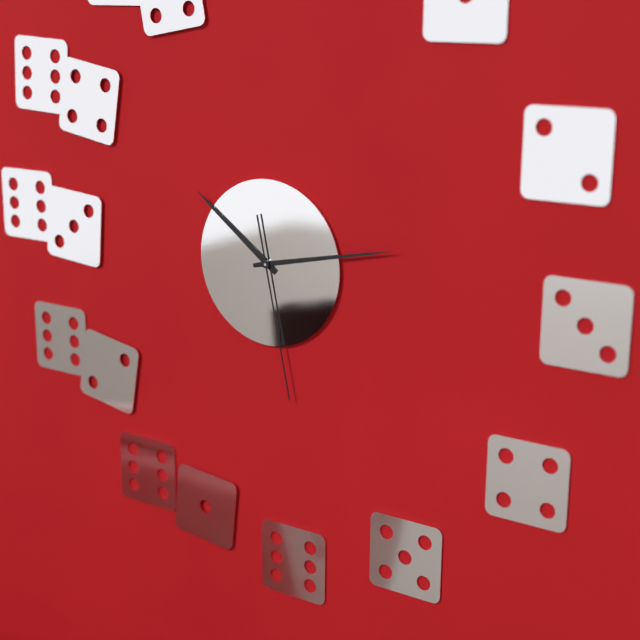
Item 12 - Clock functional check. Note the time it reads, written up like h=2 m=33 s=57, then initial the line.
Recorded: h=10 m=13 s=28
